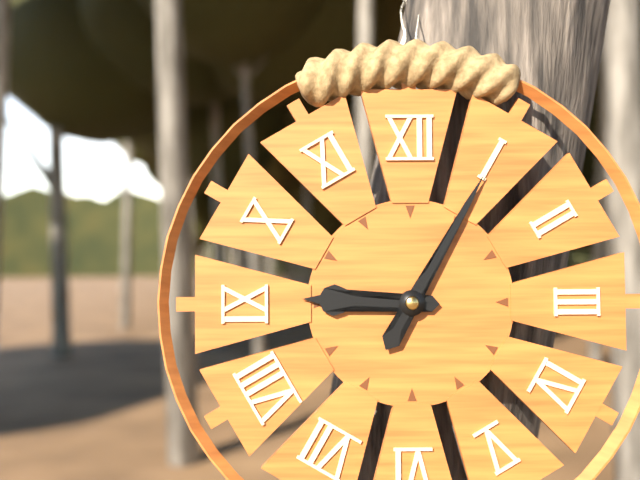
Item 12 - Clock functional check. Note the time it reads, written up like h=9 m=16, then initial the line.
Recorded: h=9 m=5
